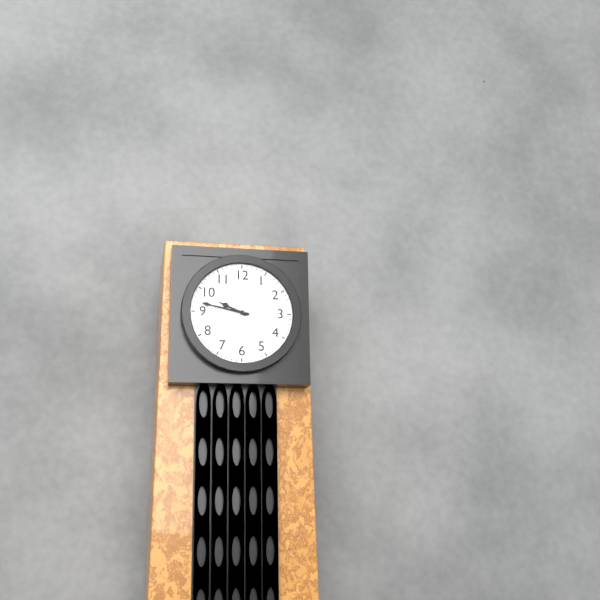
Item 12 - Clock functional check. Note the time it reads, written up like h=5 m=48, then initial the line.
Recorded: h=9 m=47
